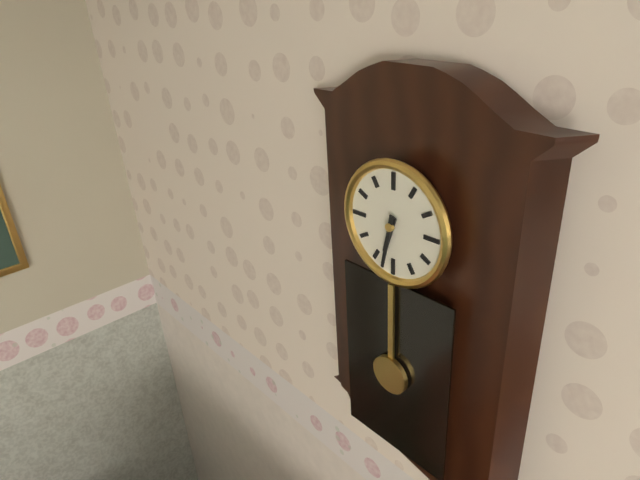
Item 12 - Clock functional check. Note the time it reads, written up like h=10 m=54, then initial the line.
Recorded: h=6 m=32
